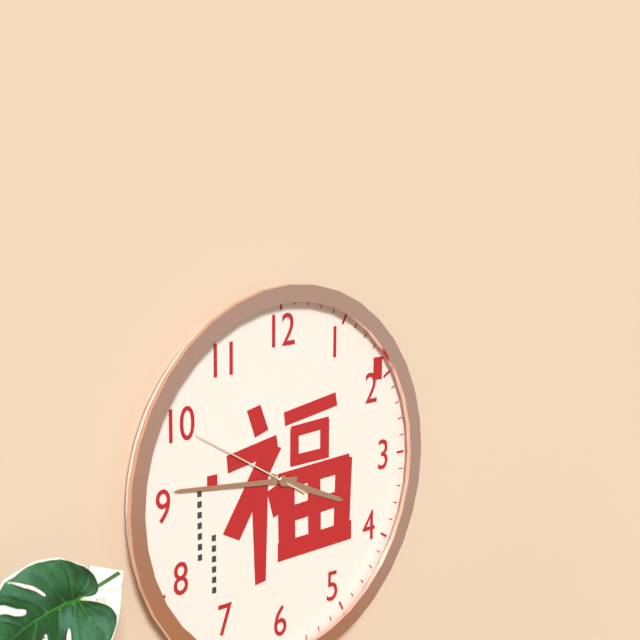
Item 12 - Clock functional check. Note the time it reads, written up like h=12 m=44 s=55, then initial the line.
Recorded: h=3 m=46 s=50
